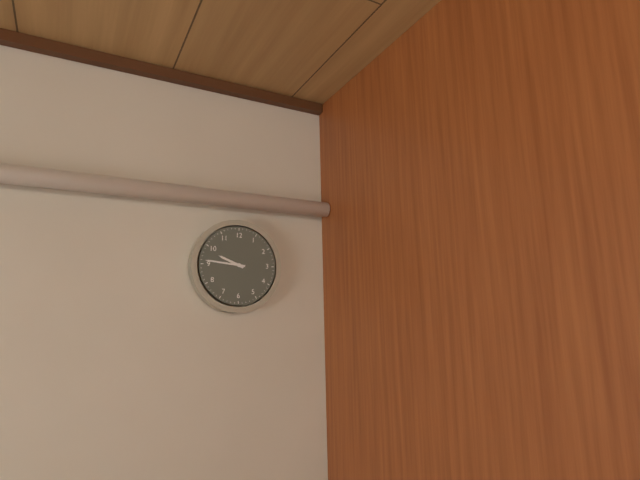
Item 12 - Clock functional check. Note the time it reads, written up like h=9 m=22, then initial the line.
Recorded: h=9 m=46
